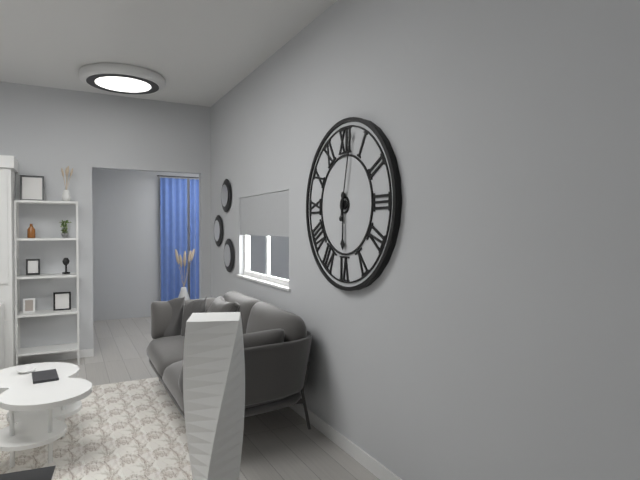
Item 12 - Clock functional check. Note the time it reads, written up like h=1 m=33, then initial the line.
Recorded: h=6 m=2
